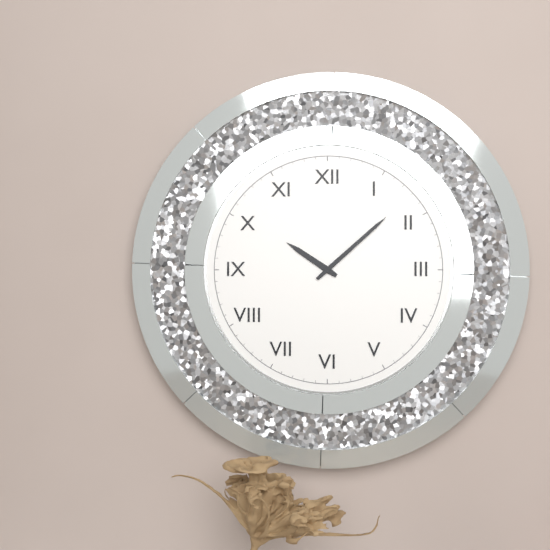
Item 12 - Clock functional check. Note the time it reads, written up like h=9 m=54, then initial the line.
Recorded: h=10 m=8
